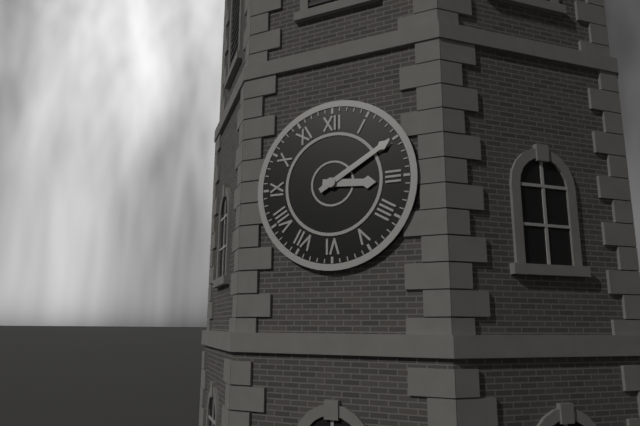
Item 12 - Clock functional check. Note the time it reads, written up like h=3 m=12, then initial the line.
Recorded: h=3 m=10
